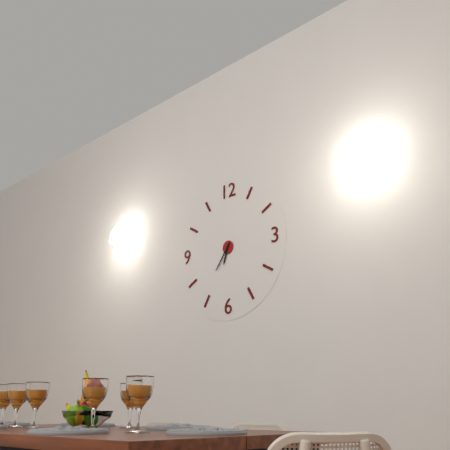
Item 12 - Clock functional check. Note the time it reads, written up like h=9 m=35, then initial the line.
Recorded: h=6 m=36
